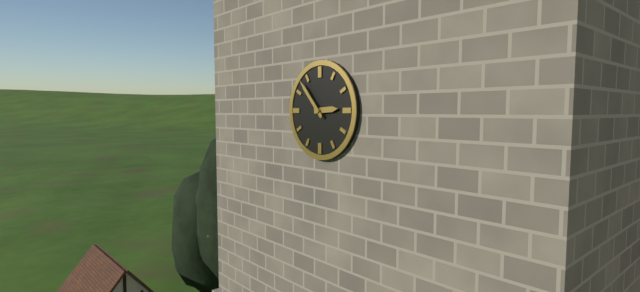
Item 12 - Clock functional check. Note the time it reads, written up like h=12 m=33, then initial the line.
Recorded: h=2 m=53
